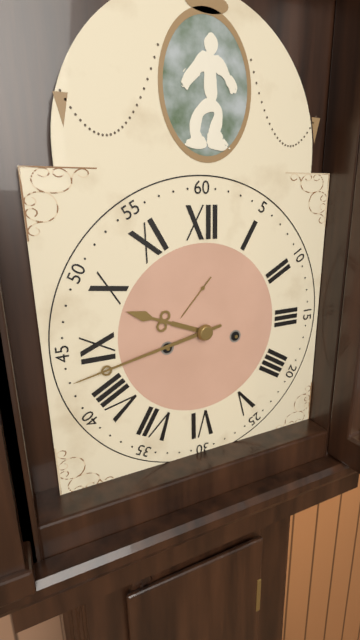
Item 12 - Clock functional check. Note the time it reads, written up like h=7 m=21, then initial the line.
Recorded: h=9 m=43
